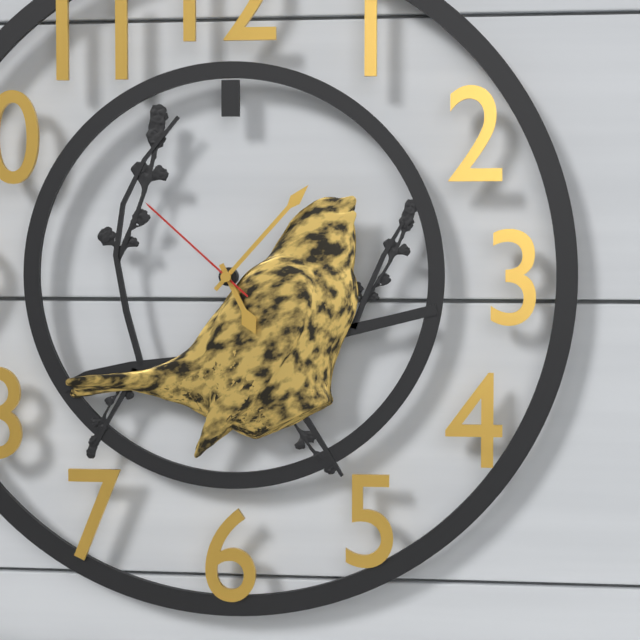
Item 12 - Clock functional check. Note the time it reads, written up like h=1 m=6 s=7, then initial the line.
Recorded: h=5 m=7 s=52
